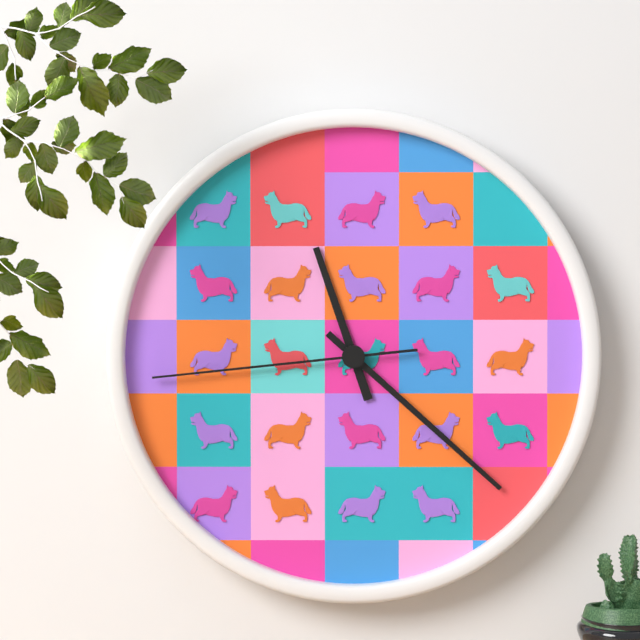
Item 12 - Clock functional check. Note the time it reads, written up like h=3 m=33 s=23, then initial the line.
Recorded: h=11 m=22 s=44
